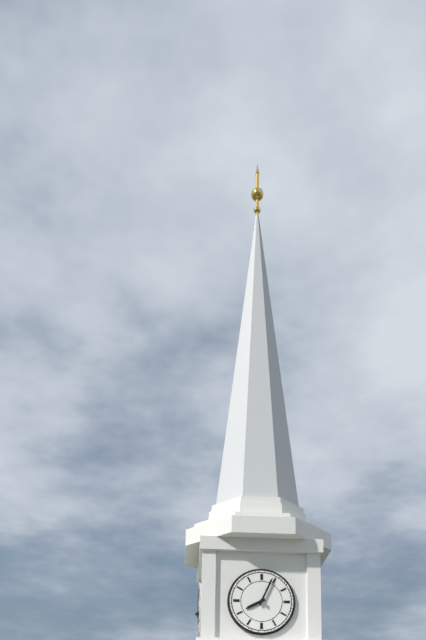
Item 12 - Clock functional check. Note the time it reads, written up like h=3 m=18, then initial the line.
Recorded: h=8 m=4
